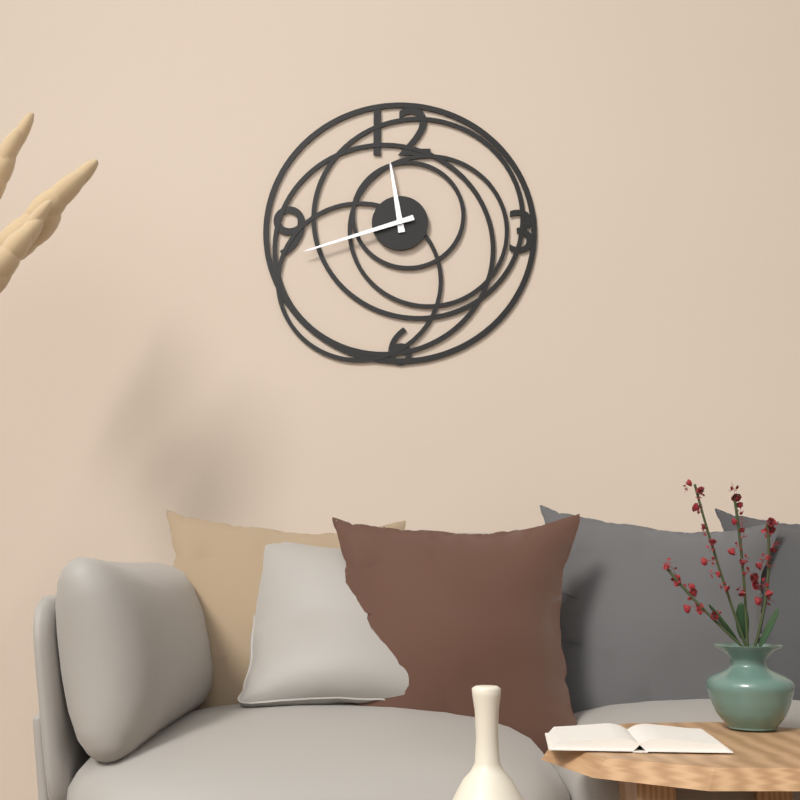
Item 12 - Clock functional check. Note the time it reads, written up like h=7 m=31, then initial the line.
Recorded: h=11 m=42
